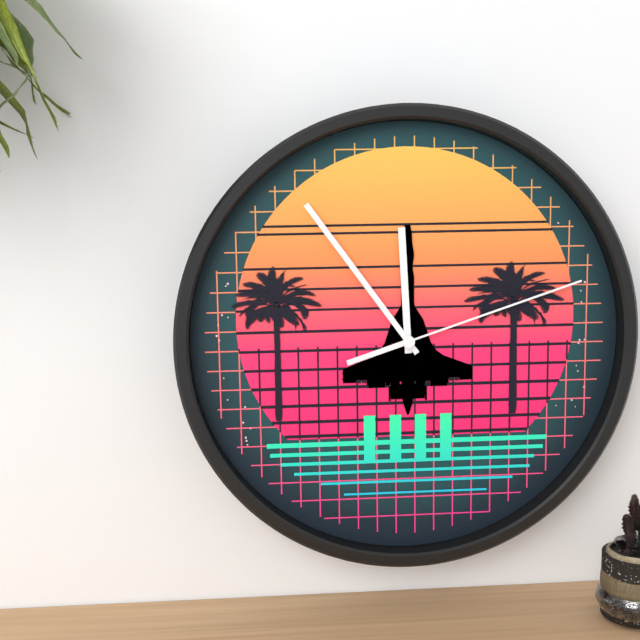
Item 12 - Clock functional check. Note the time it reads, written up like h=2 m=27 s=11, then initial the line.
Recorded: h=11 m=54 s=12
